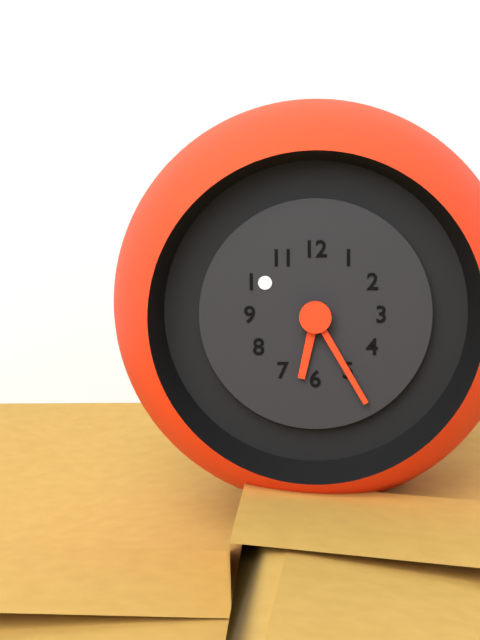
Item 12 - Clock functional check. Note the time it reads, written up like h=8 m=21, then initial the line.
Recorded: h=6 m=25
